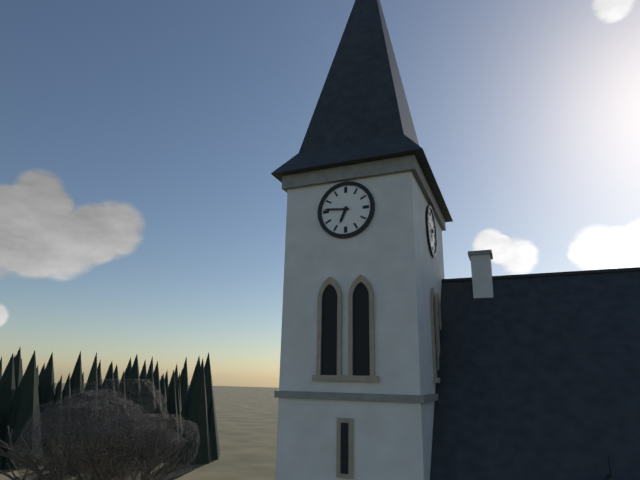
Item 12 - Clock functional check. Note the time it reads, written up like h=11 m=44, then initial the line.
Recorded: h=6 m=46
